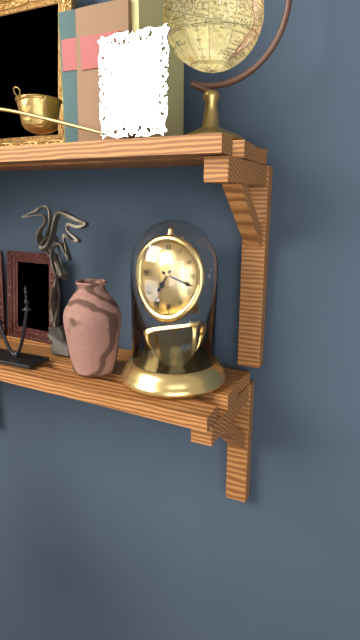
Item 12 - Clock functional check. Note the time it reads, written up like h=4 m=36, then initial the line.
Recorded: h=7 m=18
